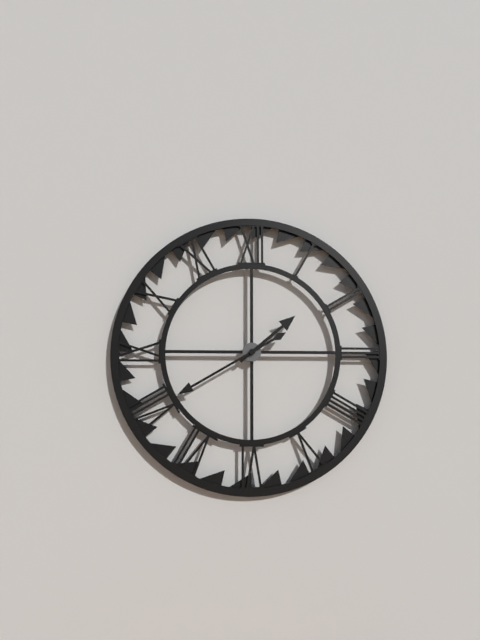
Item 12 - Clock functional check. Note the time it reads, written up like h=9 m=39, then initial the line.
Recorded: h=1 m=40
